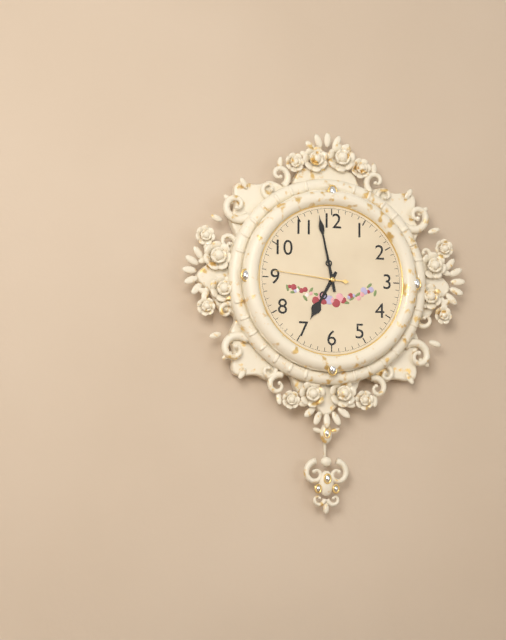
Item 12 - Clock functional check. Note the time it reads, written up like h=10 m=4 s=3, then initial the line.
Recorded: h=6 m=58 s=46
